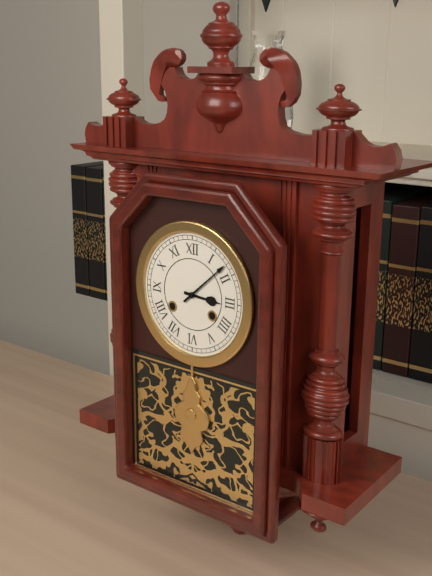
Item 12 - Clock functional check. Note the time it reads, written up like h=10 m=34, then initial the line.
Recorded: h=3 m=8
